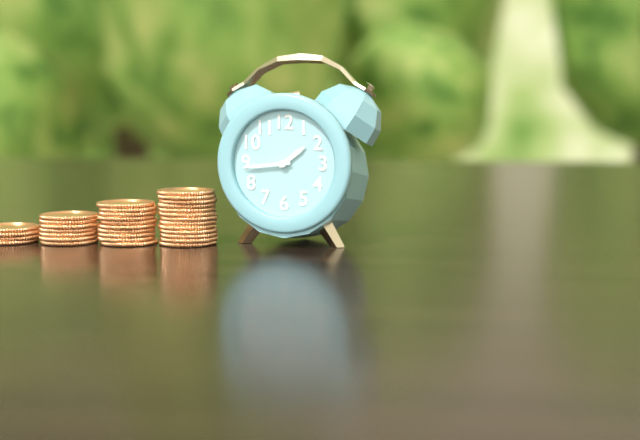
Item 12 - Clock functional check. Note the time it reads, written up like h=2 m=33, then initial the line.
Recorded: h=1 m=44
